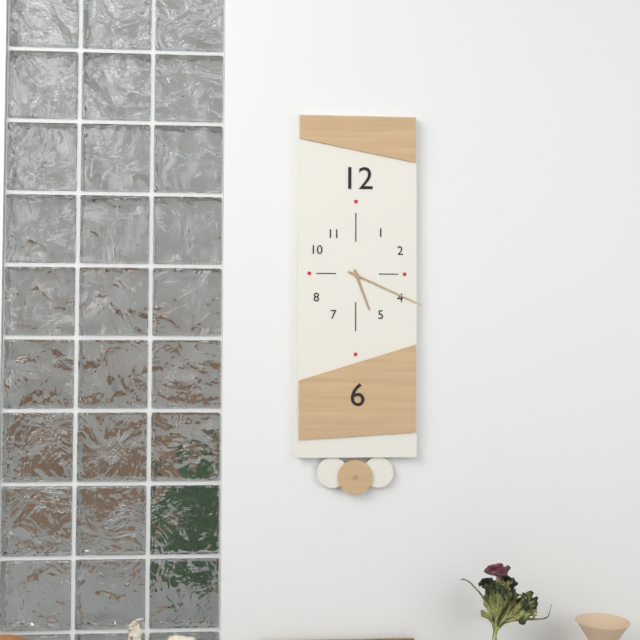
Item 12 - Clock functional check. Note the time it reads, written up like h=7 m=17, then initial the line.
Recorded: h=5 m=19
